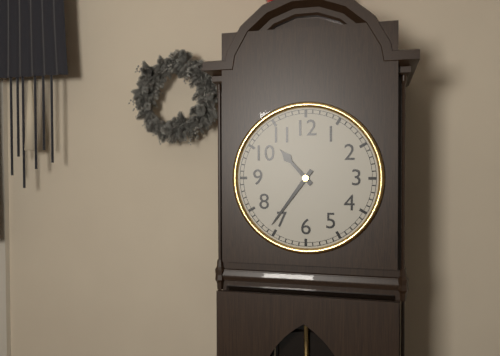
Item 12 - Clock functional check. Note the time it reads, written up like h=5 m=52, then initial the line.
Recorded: h=10 m=36
